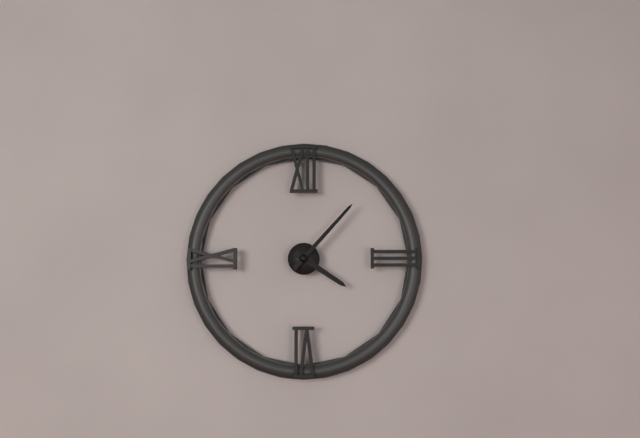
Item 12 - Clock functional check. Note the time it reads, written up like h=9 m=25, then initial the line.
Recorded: h=4 m=7
